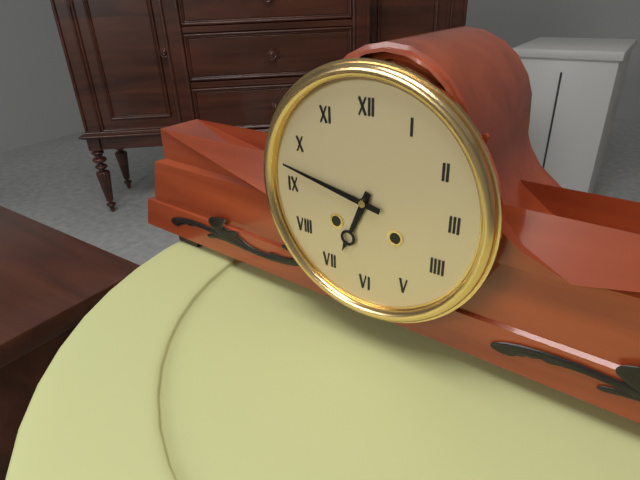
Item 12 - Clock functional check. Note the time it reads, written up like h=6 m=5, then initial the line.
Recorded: h=6 m=47
